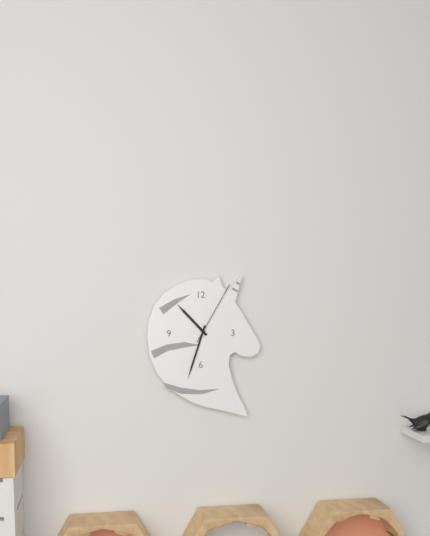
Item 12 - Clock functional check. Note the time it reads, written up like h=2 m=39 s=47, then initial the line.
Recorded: h=10 m=33 s=5
